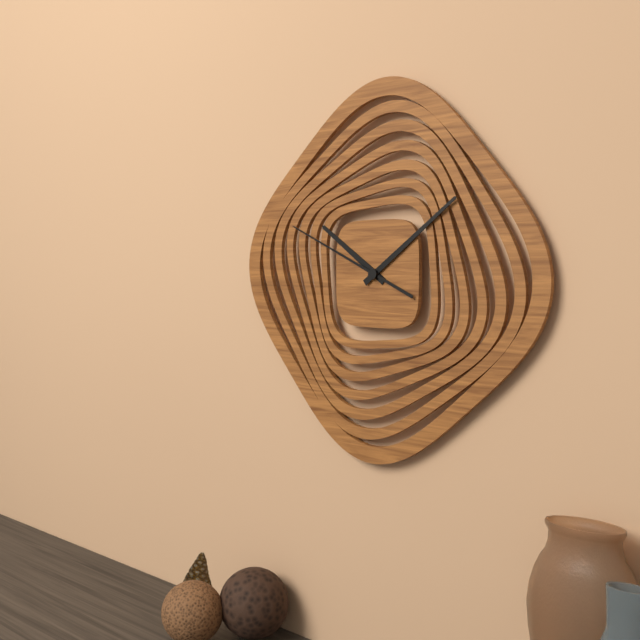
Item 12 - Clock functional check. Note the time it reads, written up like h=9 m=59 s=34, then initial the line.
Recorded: h=10 m=9 s=49
